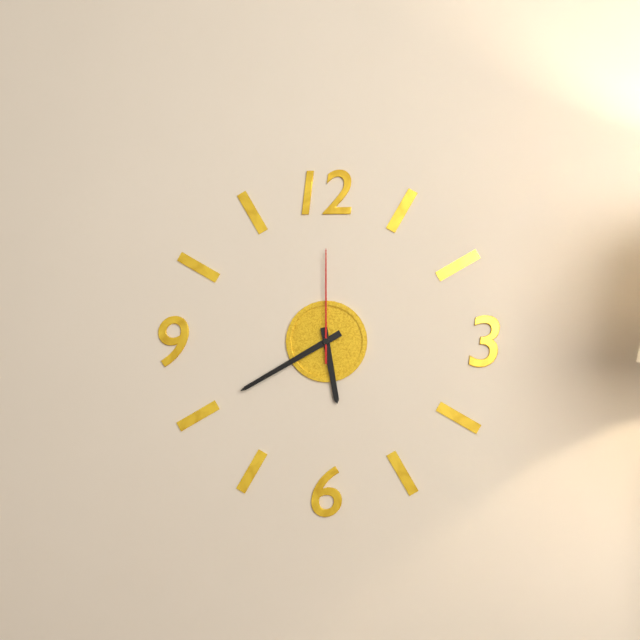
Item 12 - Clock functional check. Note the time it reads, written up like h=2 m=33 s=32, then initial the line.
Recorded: h=5 m=40 s=0
